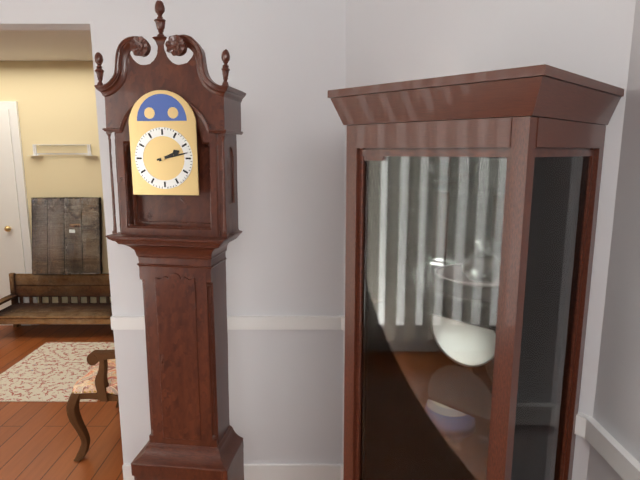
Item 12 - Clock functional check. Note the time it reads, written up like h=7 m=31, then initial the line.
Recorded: h=2 m=13
